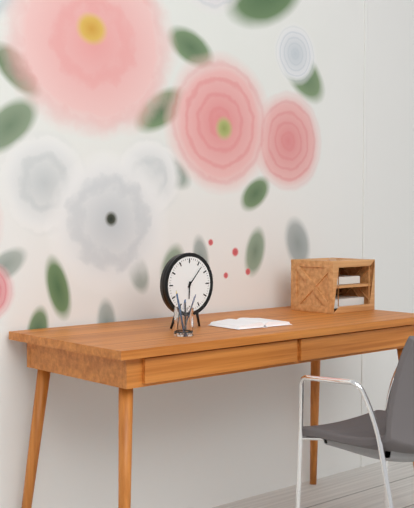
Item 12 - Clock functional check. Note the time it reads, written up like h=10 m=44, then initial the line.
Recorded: h=6 m=7
